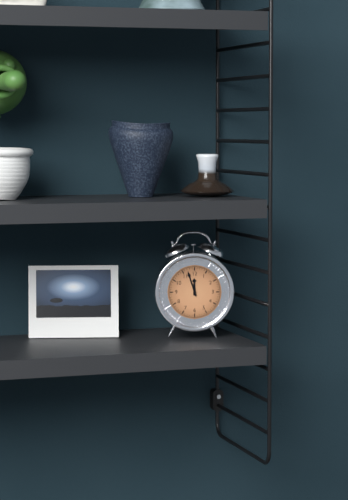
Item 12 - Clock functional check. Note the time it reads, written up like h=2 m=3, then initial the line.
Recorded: h=11 m=57
